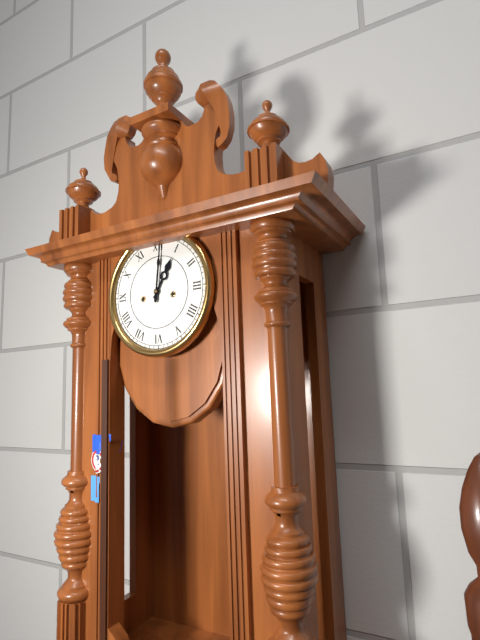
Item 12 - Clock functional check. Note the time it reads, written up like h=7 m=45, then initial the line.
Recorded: h=1 m=1
